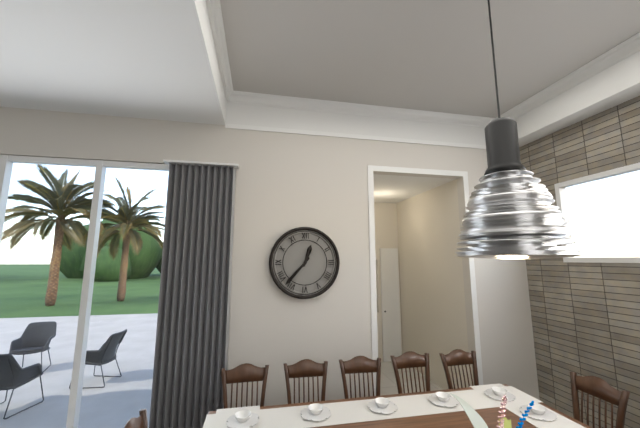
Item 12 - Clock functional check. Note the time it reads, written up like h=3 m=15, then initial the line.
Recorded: h=12 m=37
